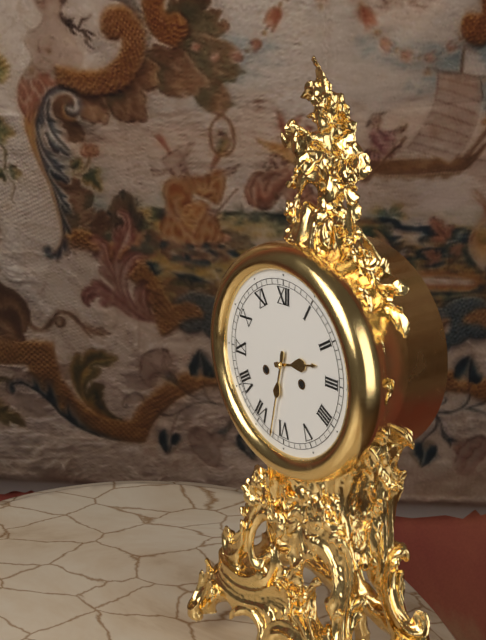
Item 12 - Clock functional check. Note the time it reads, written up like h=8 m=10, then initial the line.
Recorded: h=2 m=32
